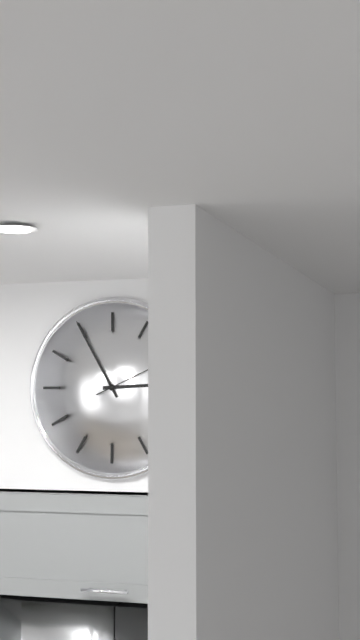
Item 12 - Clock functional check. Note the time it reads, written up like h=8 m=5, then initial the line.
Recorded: h=2 m=55
